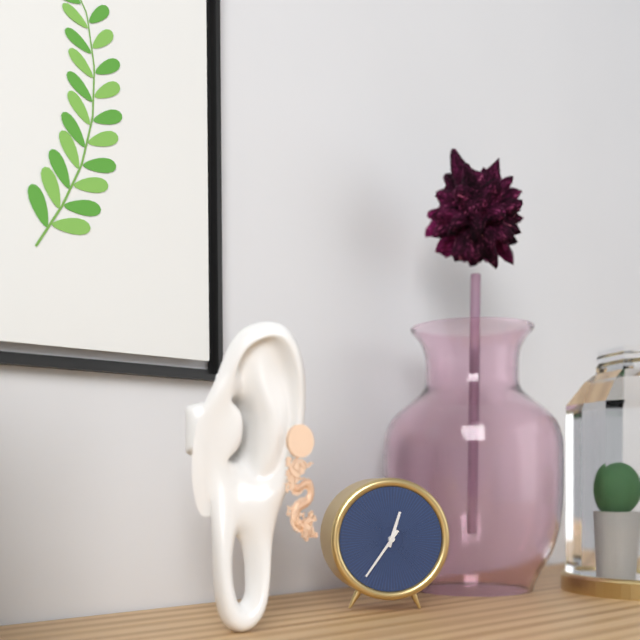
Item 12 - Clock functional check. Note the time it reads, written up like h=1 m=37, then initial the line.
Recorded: h=12 m=36
